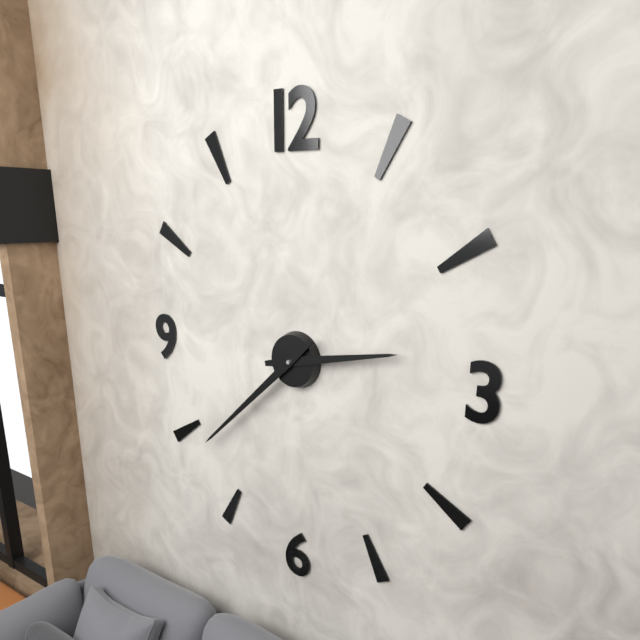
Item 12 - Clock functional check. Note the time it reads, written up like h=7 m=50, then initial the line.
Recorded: h=2 m=38
